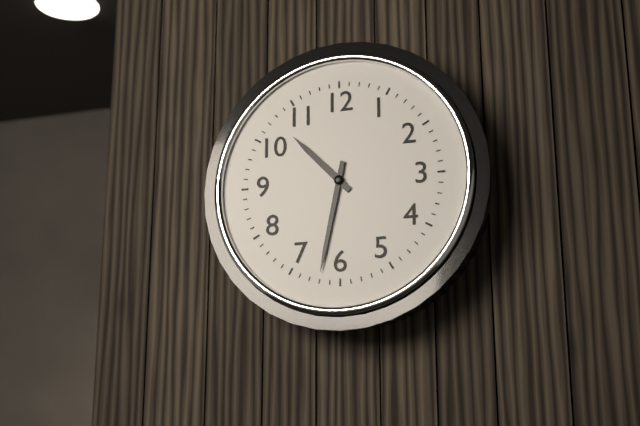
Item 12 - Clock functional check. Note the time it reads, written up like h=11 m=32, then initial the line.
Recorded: h=10 m=32
